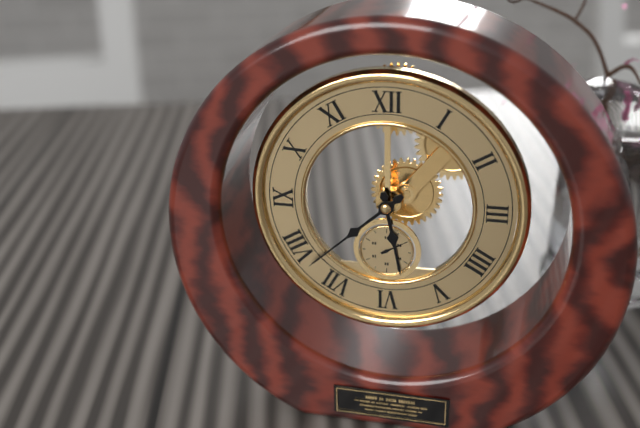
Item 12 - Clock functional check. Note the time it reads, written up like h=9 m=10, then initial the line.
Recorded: h=5 m=38
